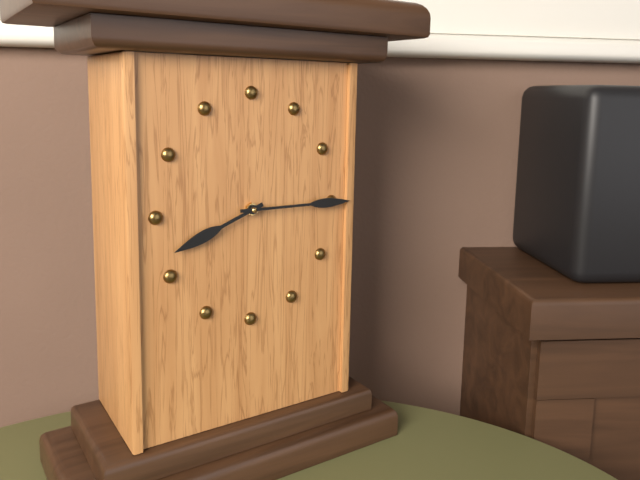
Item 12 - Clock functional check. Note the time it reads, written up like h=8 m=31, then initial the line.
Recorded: h=8 m=15
